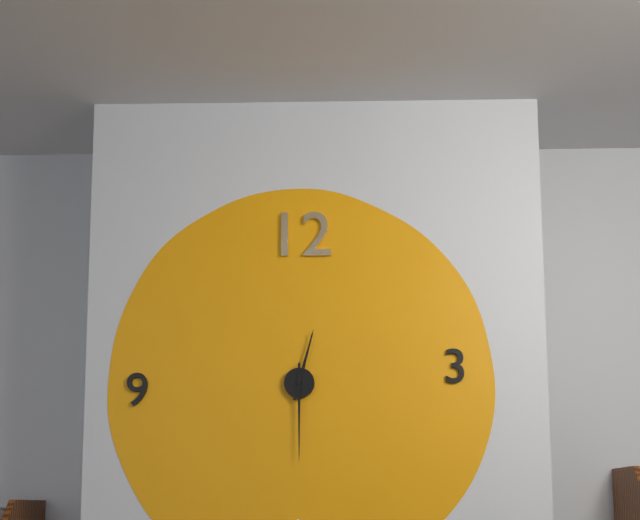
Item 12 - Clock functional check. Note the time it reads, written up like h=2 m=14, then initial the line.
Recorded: h=12 m=30
